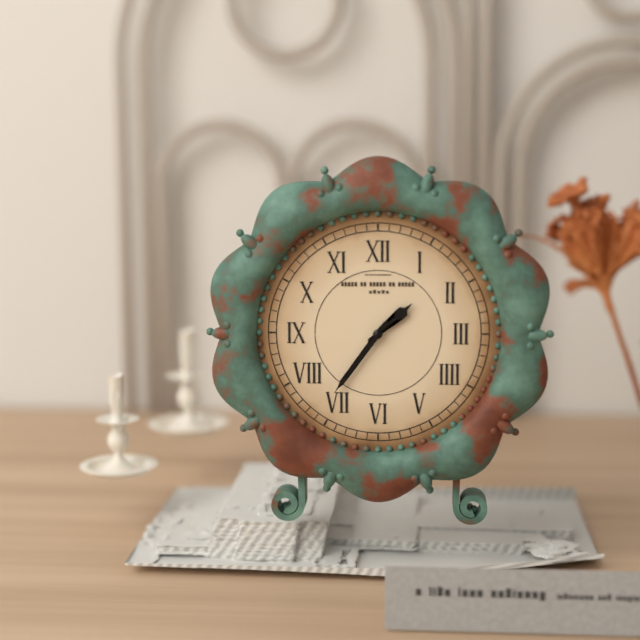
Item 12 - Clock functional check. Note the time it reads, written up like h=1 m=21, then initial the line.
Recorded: h=1 m=36
